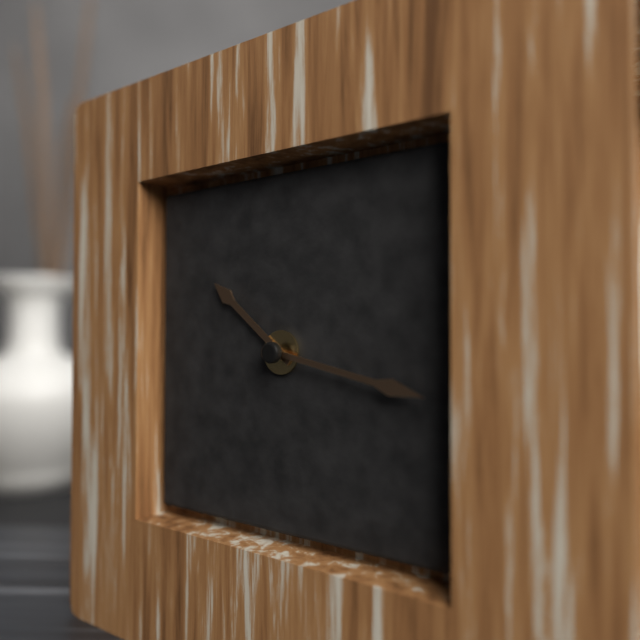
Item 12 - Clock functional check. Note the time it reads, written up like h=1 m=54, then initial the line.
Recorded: h=10 m=17
